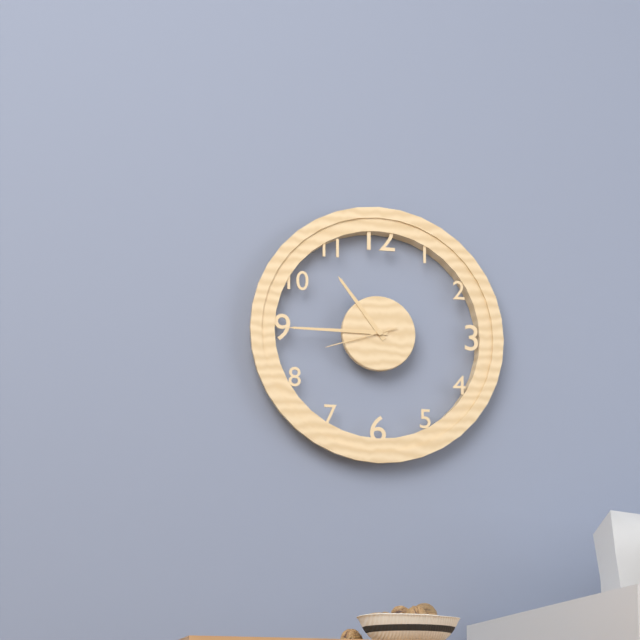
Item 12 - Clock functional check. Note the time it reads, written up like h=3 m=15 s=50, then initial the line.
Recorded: h=10 m=45 s=42
